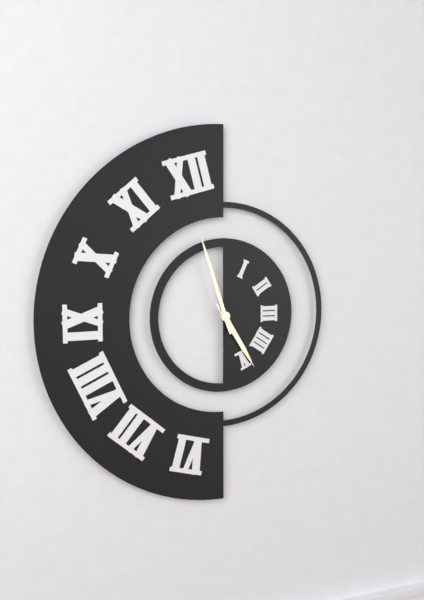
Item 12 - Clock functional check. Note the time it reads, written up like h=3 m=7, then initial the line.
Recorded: h=4 m=57
